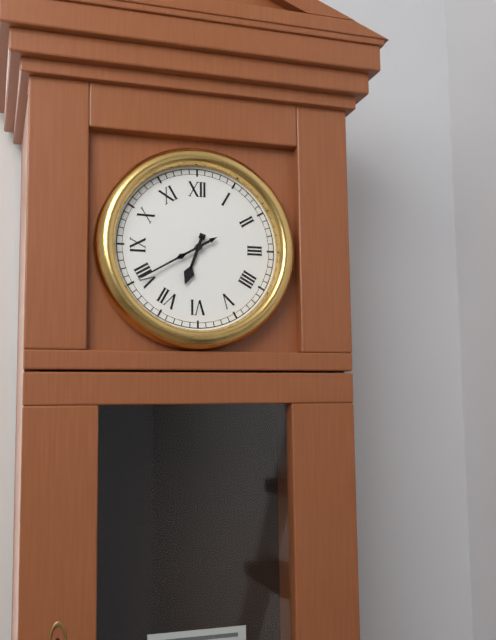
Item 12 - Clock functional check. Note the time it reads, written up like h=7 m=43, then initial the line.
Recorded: h=6 m=40
